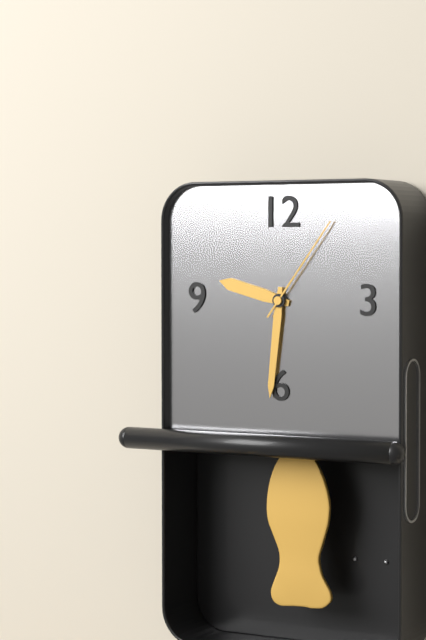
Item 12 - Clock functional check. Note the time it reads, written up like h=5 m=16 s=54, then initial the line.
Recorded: h=9 m=31 s=6
